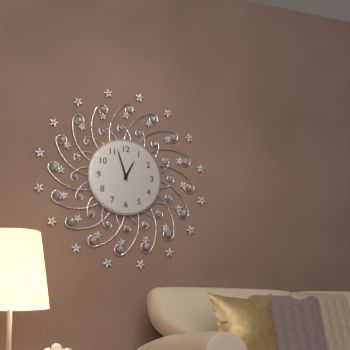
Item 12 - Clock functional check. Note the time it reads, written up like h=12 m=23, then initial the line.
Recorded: h=12 m=57
